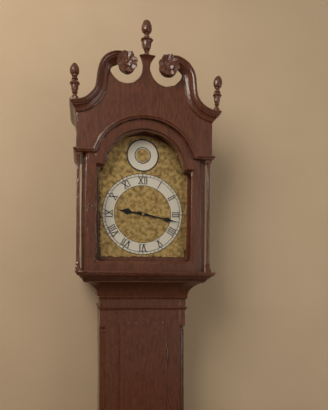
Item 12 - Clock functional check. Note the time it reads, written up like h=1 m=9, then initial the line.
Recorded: h=9 m=17
